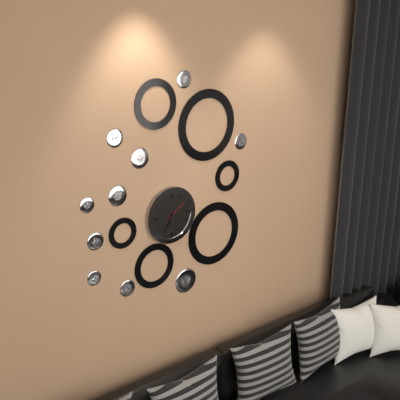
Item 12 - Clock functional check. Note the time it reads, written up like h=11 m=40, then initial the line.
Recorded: h=6 m=35
